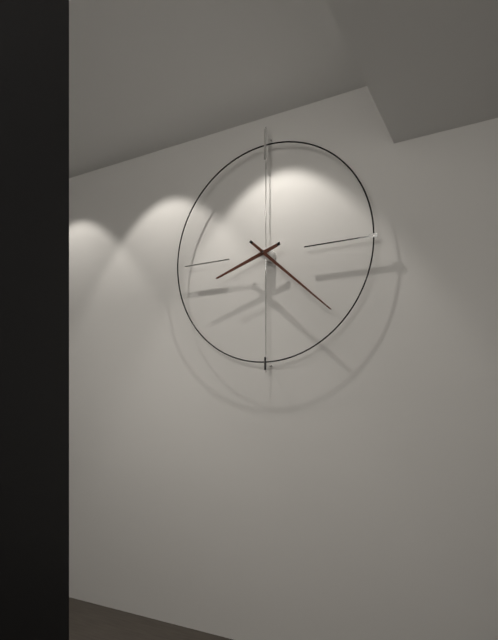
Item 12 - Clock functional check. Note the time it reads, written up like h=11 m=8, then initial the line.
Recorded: h=8 m=22
